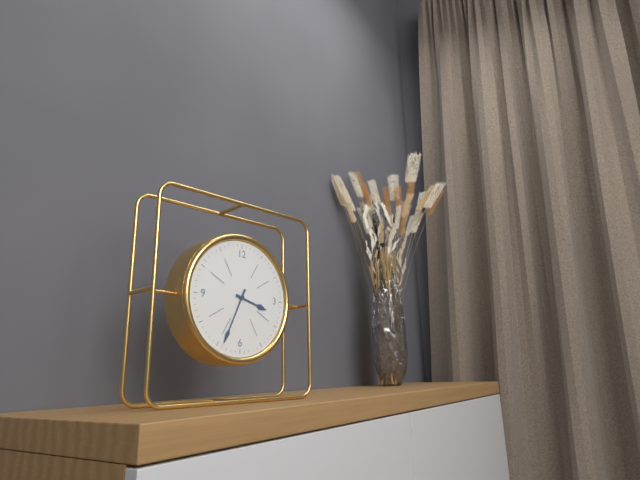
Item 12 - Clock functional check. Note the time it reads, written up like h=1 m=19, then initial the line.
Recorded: h=3 m=34
